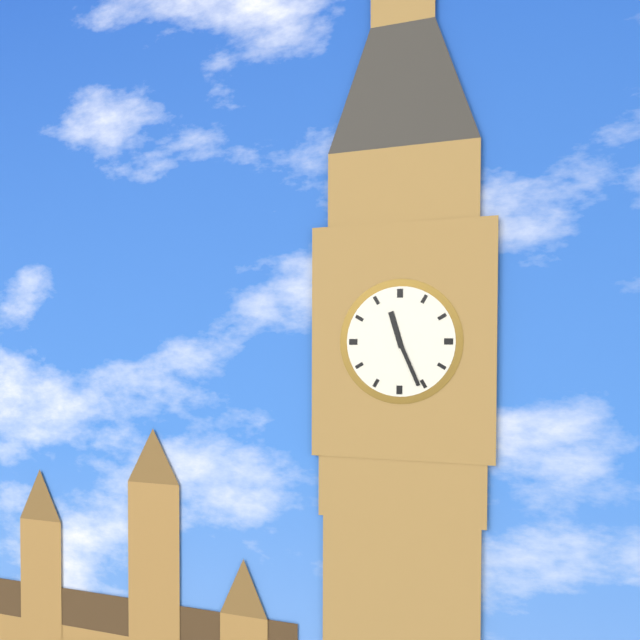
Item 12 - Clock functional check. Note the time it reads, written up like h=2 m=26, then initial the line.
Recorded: h=11 m=26
